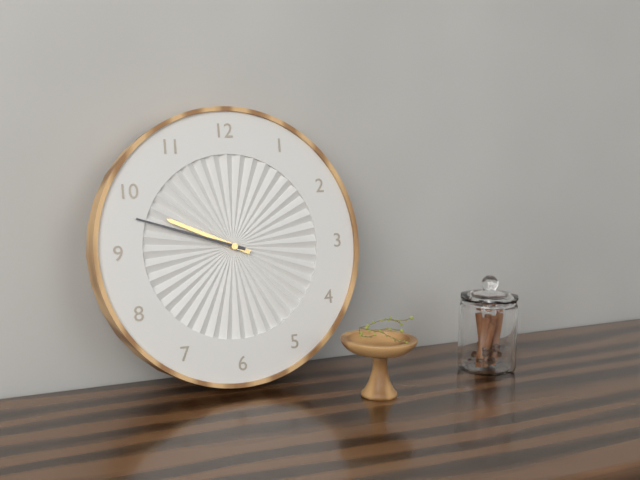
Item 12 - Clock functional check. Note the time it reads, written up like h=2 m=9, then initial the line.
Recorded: h=9 m=48
